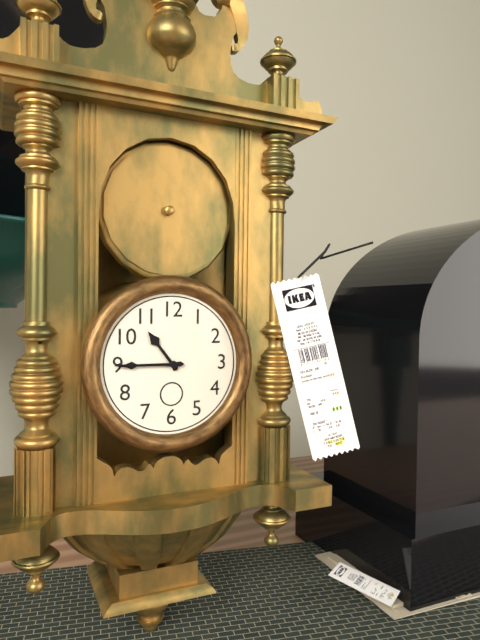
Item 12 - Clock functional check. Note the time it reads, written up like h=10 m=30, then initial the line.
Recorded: h=10 m=45
